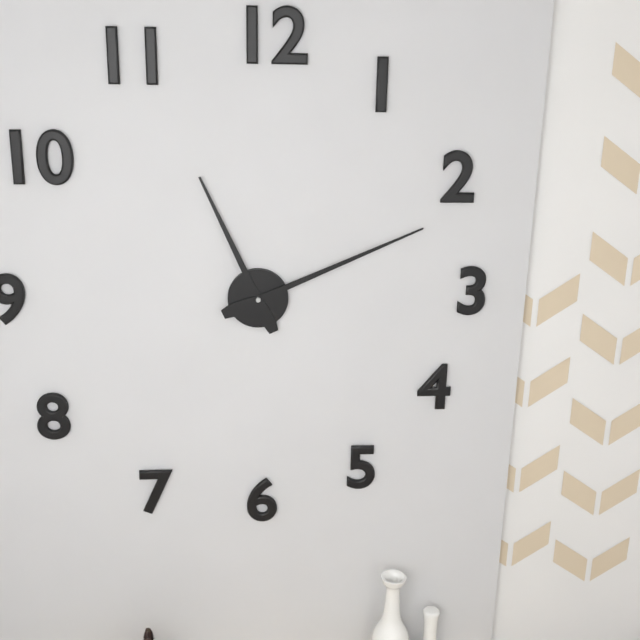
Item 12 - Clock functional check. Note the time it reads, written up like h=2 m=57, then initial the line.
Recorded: h=11 m=11
